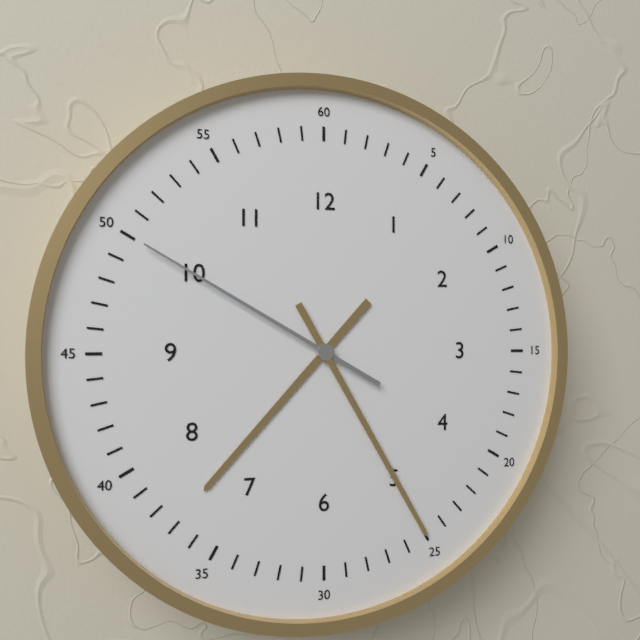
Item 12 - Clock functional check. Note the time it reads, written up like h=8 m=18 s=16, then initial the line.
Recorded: h=7 m=25 s=50
